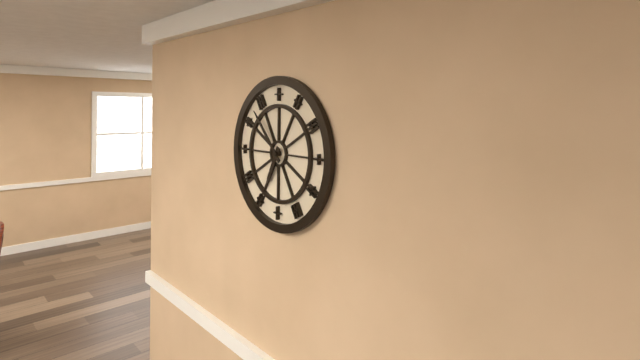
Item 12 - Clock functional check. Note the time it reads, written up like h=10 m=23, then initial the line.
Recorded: h=6 m=53
